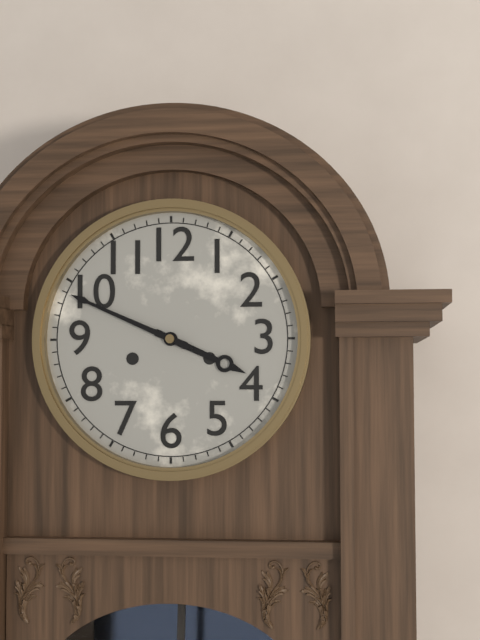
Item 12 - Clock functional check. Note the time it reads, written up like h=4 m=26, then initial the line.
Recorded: h=3 m=49
